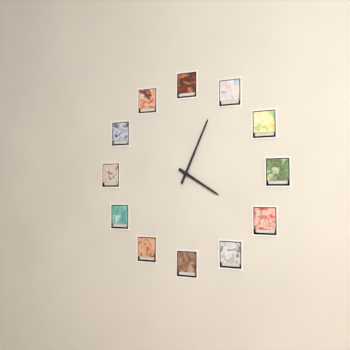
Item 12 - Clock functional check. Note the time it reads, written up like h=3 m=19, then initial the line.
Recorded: h=4 m=4
